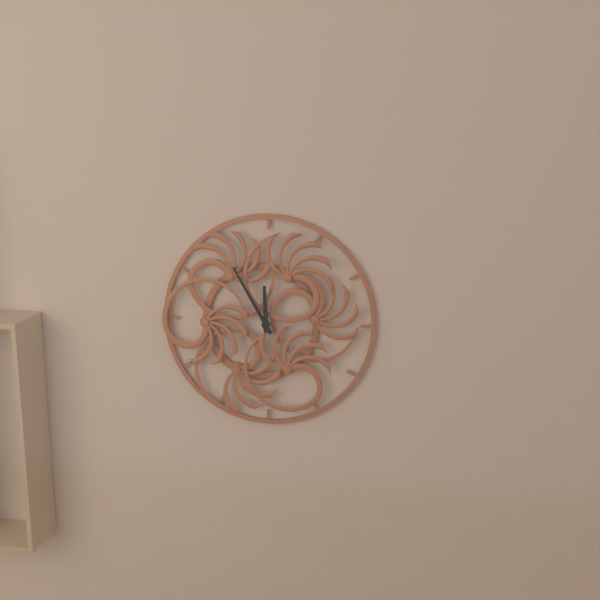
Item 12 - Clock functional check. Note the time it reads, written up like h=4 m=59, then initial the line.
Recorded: h=11 m=55
